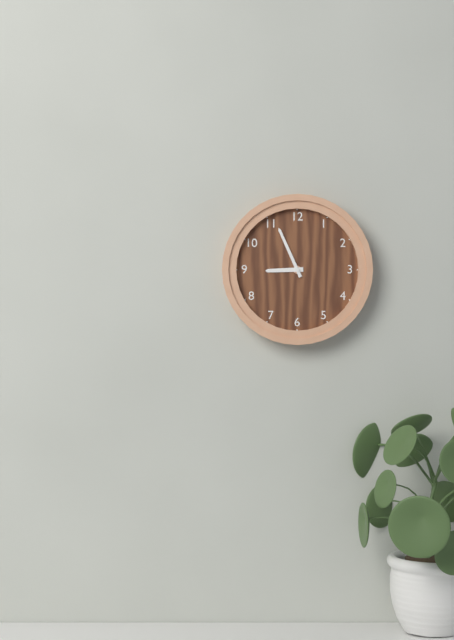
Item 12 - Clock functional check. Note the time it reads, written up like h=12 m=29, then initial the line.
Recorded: h=8 m=56
